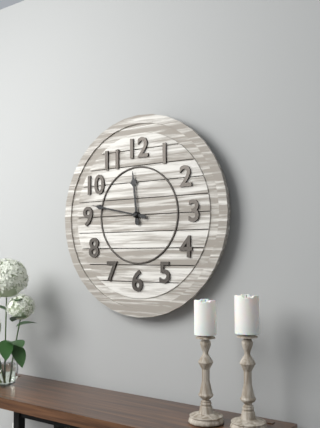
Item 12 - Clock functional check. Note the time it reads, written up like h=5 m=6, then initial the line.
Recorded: h=11 m=47
